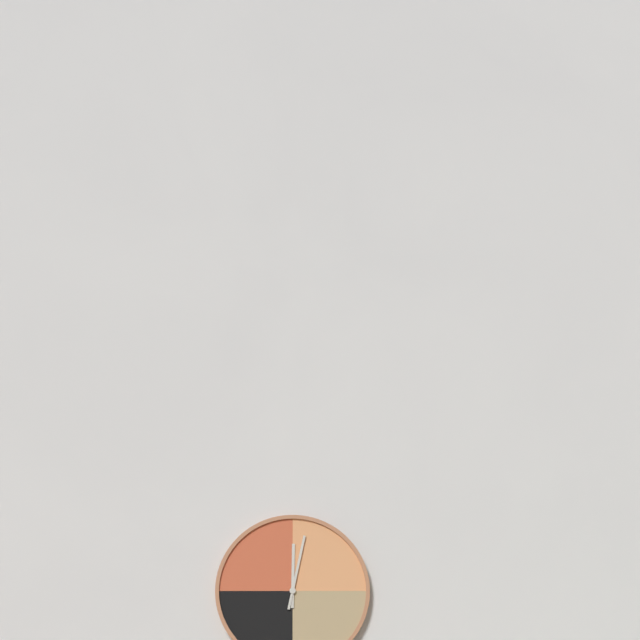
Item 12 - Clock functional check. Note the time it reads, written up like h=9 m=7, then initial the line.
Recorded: h=12 m=2
